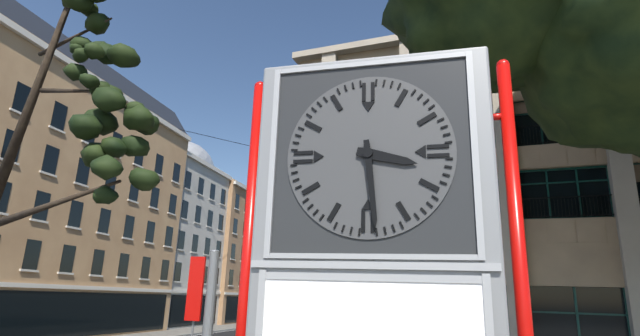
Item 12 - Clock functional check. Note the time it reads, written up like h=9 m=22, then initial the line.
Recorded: h=3 m=29
